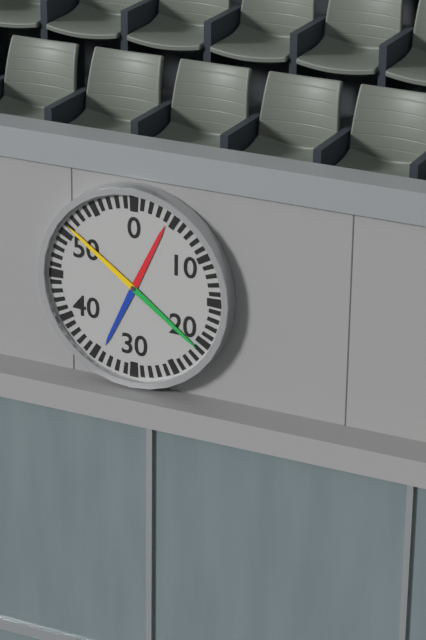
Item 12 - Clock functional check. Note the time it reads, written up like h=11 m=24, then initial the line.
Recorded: h=12 m=51
